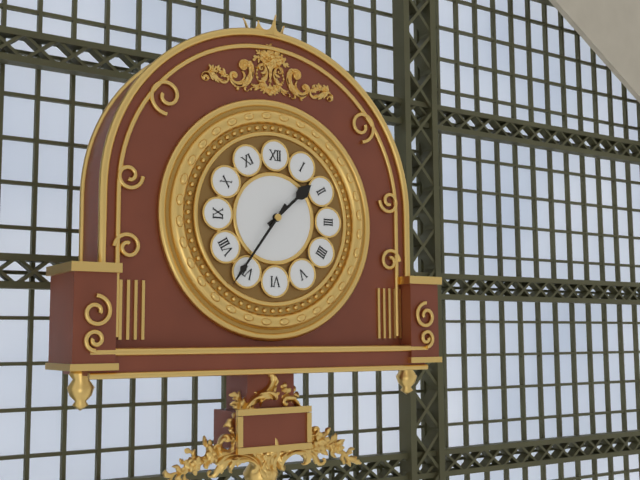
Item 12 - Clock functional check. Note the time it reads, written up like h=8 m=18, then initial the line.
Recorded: h=1 m=36
